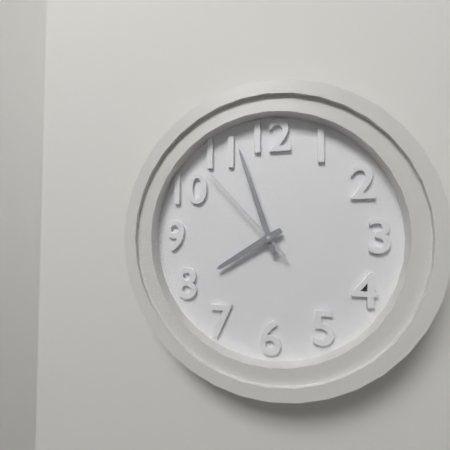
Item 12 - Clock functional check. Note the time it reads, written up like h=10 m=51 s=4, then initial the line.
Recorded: h=7 m=57 s=53
